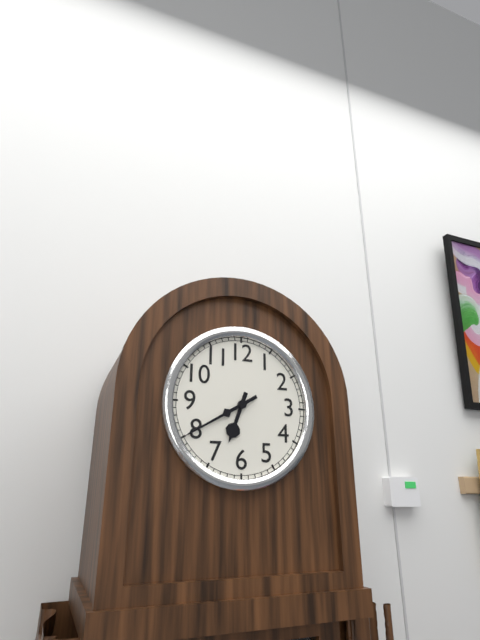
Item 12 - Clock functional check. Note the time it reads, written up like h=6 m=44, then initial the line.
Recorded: h=6 m=40
